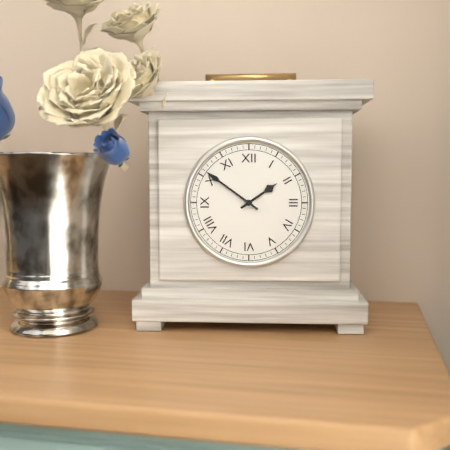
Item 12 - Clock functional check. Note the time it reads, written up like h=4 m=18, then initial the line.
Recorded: h=1 m=51
